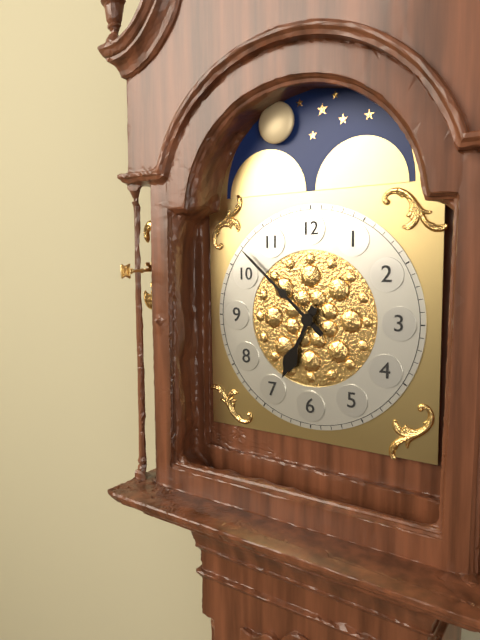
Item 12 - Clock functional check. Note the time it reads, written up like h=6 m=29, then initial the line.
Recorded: h=6 m=52
